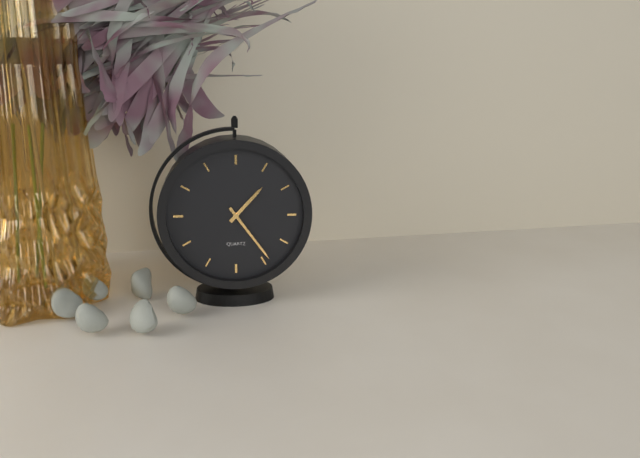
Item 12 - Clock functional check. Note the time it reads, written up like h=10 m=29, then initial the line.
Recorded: h=1 m=24
